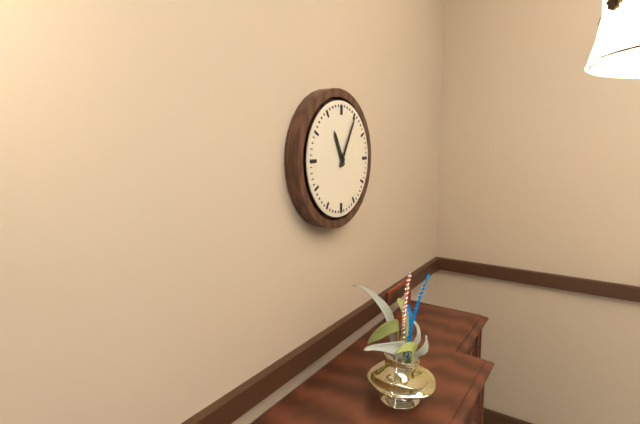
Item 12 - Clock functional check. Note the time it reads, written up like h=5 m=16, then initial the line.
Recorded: h=11 m=5
